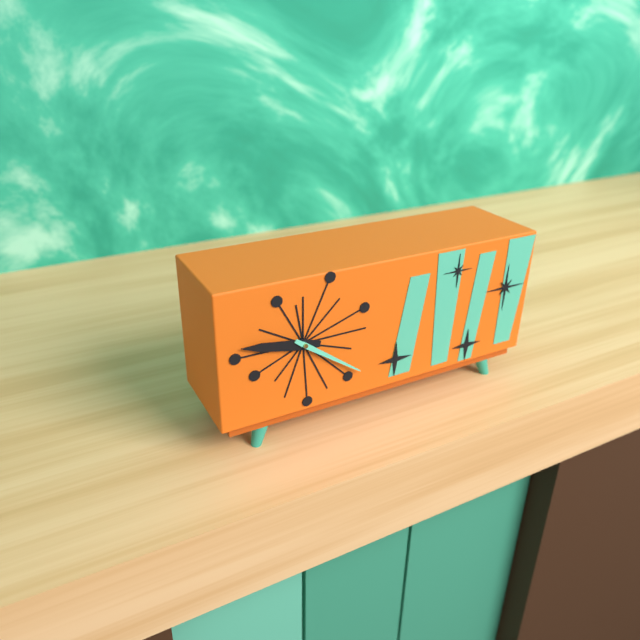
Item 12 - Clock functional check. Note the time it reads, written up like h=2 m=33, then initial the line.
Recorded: h=9 m=21
